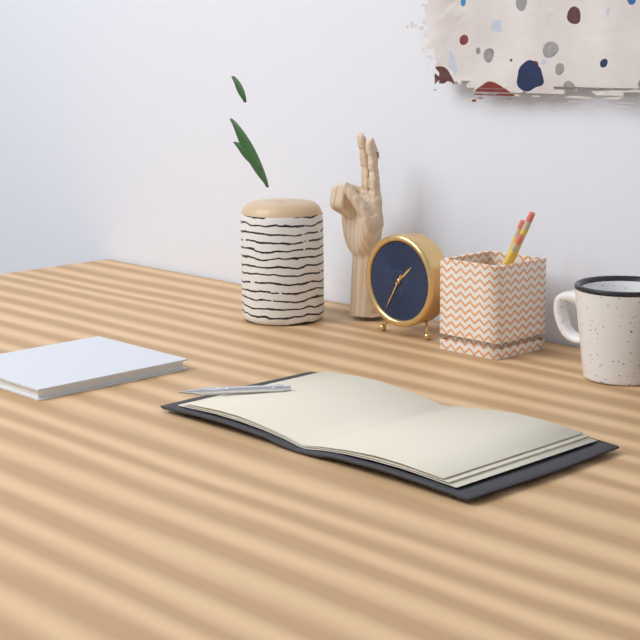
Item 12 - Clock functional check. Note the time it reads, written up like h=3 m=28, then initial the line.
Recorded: h=1 m=35
